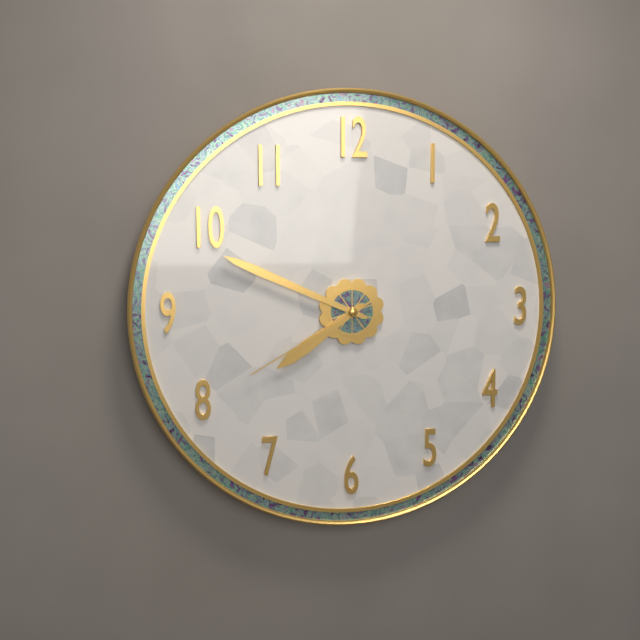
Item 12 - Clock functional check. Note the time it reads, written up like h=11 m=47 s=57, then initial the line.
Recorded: h=7 m=49 s=40
